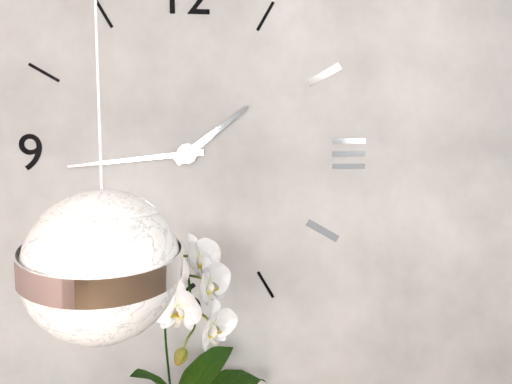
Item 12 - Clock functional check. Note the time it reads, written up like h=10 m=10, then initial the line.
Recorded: h=1 m=44
